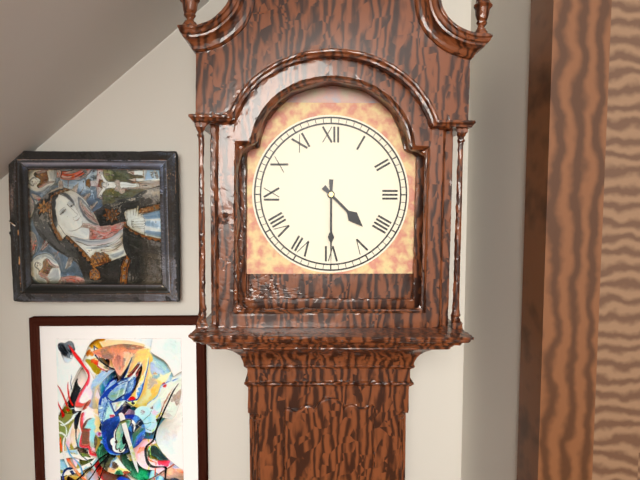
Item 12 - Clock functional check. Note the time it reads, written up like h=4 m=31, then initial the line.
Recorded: h=4 m=30
